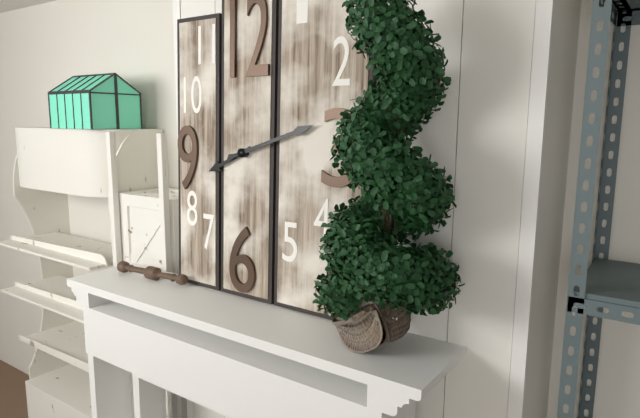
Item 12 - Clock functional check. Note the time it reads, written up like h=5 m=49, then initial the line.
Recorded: h=8 m=12
